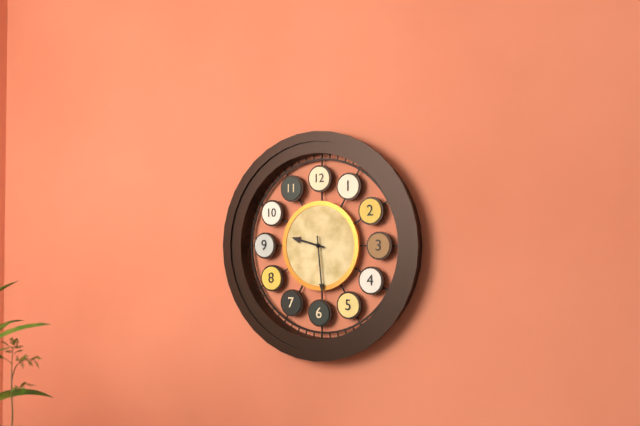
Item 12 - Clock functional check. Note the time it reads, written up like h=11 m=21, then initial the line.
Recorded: h=9 m=29
